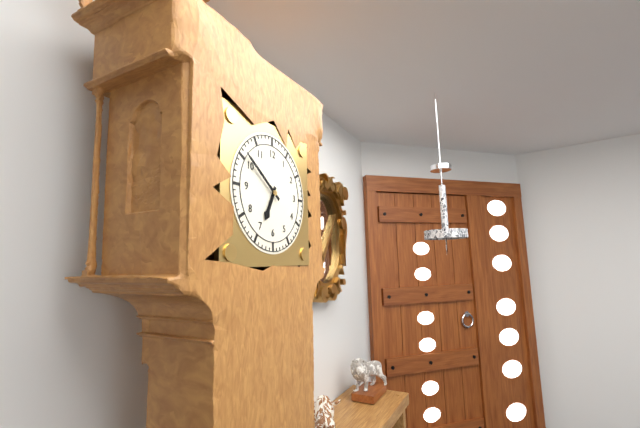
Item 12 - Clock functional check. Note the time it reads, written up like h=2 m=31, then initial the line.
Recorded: h=6 m=51
